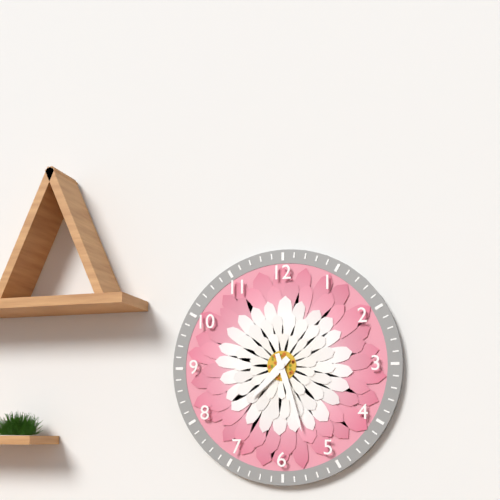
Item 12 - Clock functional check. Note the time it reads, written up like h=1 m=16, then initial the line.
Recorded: h=7 m=27
